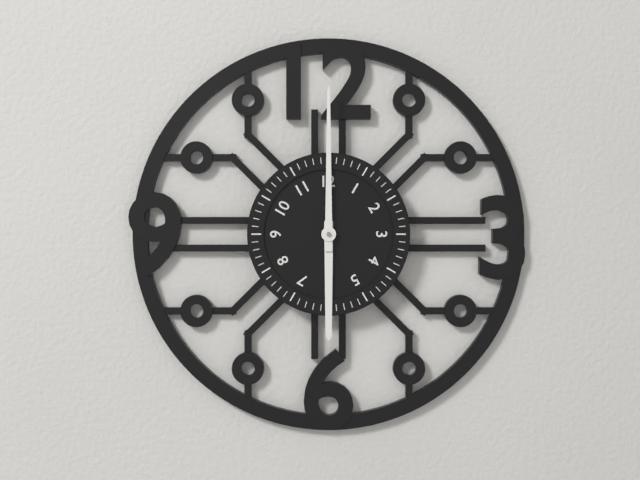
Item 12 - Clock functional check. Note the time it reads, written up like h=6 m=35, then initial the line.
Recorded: h=6 m=0
